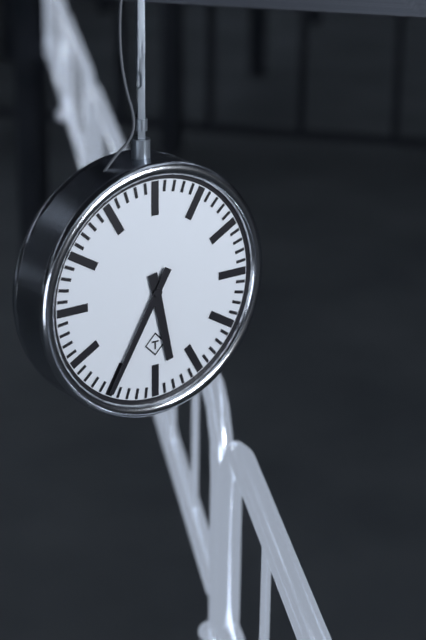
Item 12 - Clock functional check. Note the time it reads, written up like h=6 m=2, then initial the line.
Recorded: h=5 m=35
